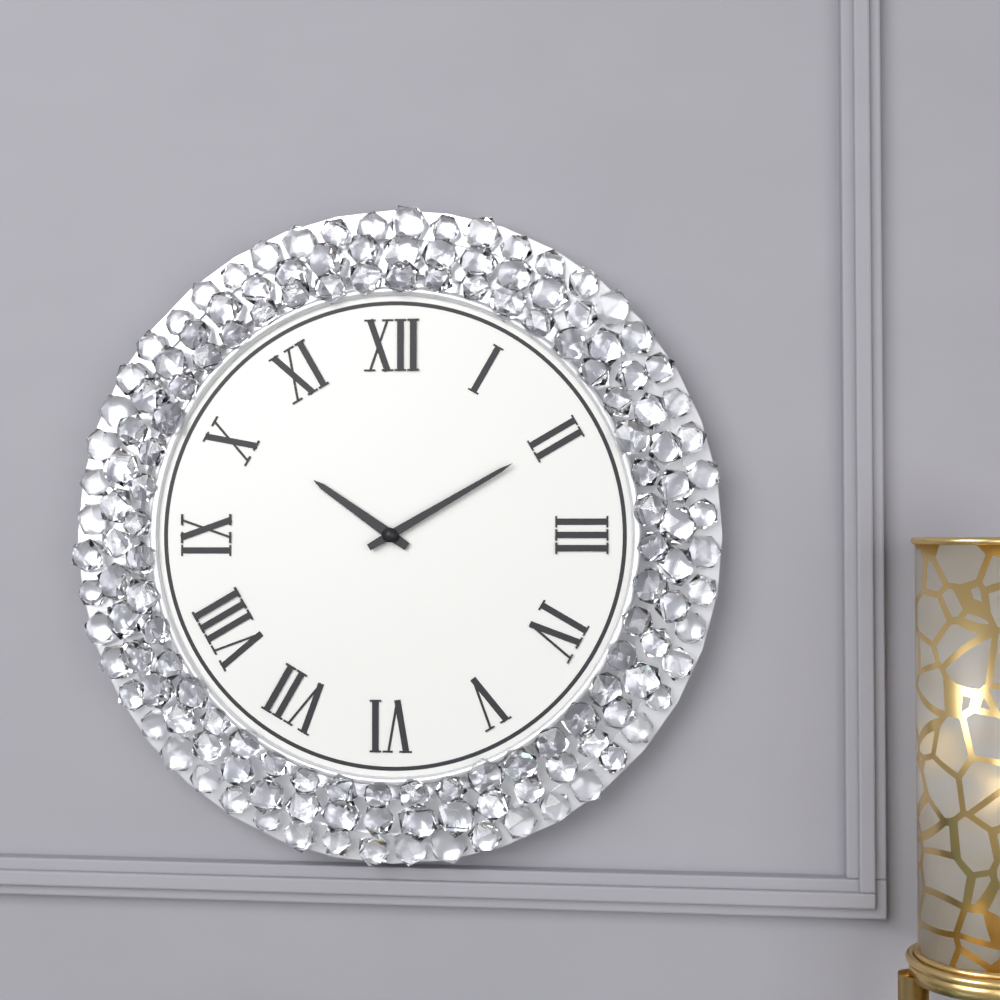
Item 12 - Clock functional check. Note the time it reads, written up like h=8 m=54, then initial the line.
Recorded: h=10 m=10
